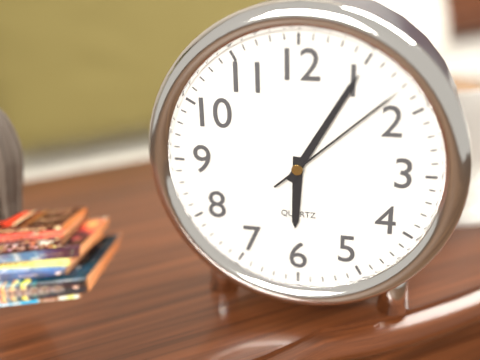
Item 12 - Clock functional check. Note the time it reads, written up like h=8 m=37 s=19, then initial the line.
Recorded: h=6 m=5 s=8
